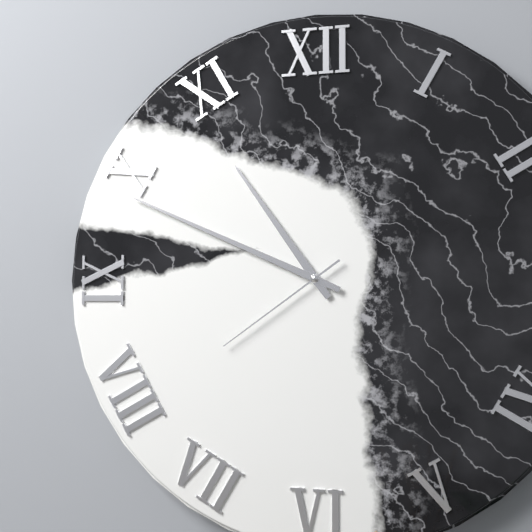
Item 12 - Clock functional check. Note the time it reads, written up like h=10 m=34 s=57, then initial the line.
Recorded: h=10 m=49 s=39
